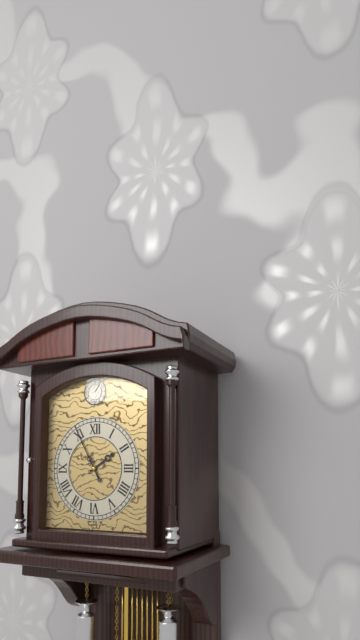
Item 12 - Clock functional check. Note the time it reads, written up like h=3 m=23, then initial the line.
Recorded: h=1 m=55
